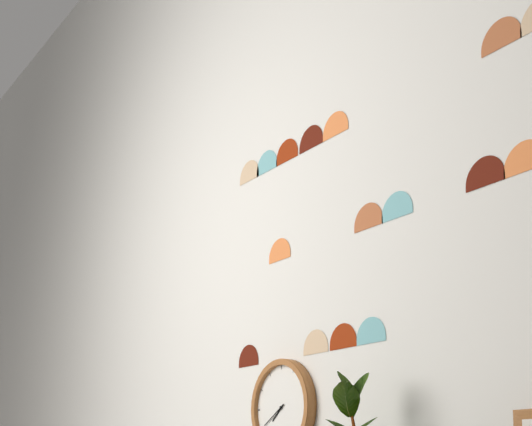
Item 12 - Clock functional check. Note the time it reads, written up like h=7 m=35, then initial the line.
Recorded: h=7 m=40
